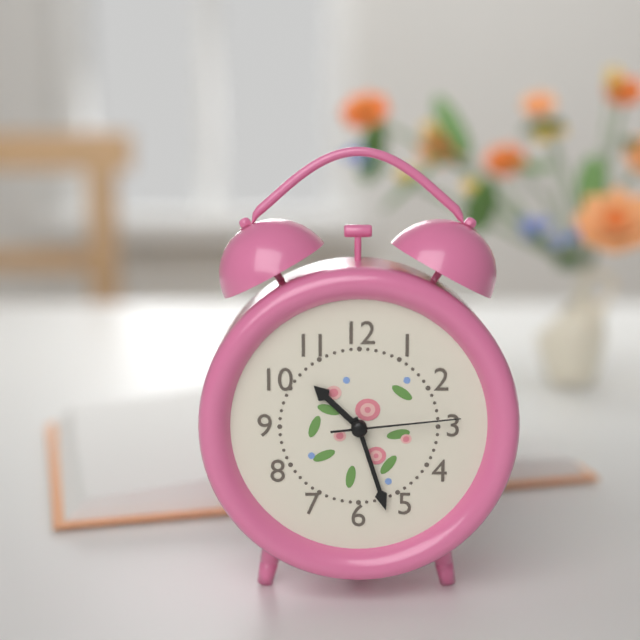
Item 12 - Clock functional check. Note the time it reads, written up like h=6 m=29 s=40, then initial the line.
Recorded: h=10 m=27 s=14
